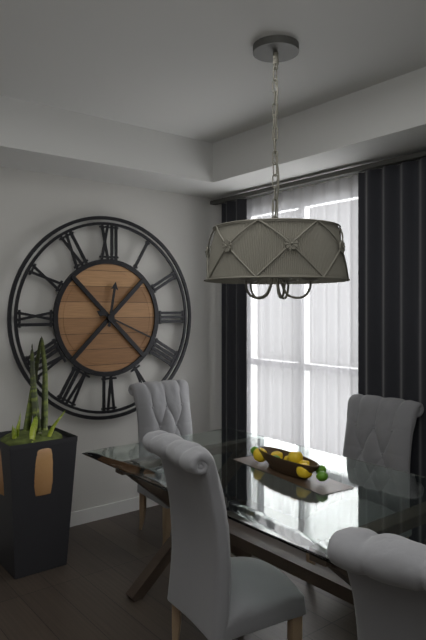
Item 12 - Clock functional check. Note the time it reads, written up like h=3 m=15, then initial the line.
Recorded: h=12 m=19
